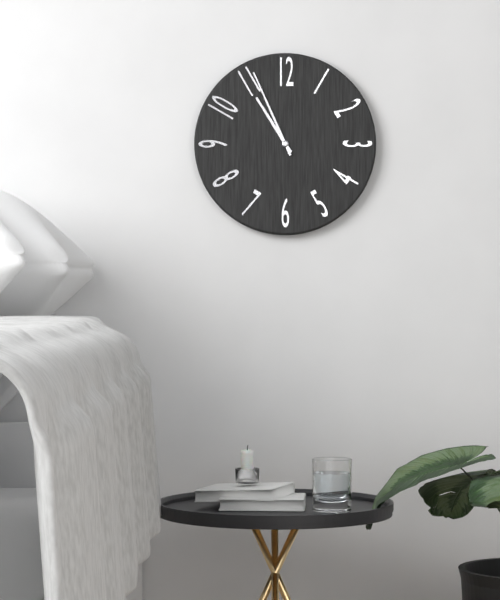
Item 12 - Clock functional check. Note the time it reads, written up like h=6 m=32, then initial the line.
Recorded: h=10 m=56
